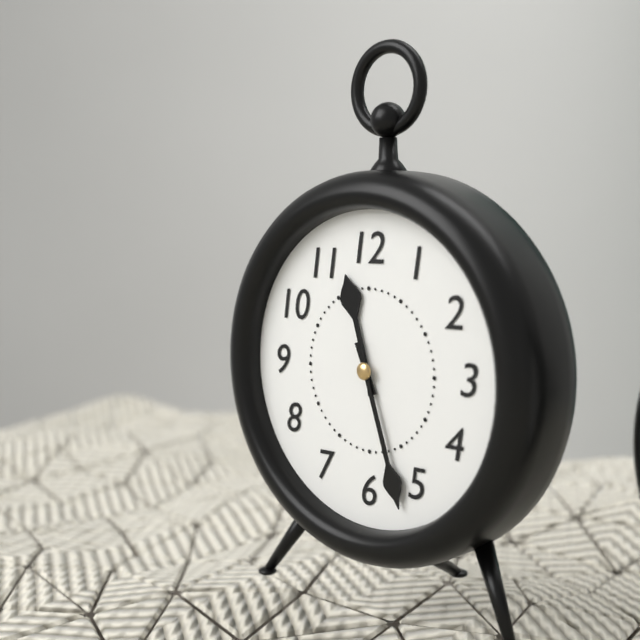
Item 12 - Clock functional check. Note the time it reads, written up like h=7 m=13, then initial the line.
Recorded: h=11 m=27
